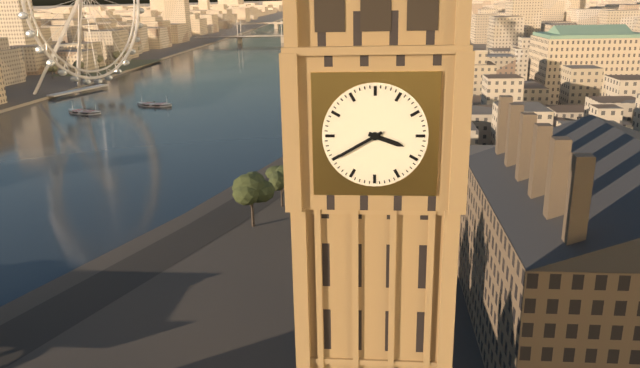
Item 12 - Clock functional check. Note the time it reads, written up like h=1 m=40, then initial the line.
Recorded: h=3 m=40
